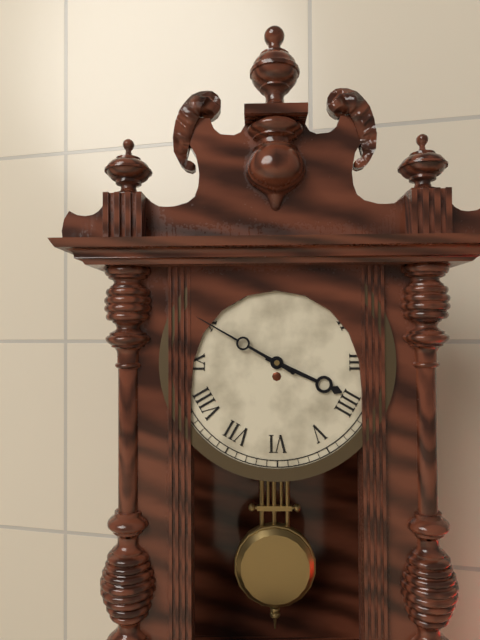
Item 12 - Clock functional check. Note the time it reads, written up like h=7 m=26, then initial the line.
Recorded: h=3 m=50
